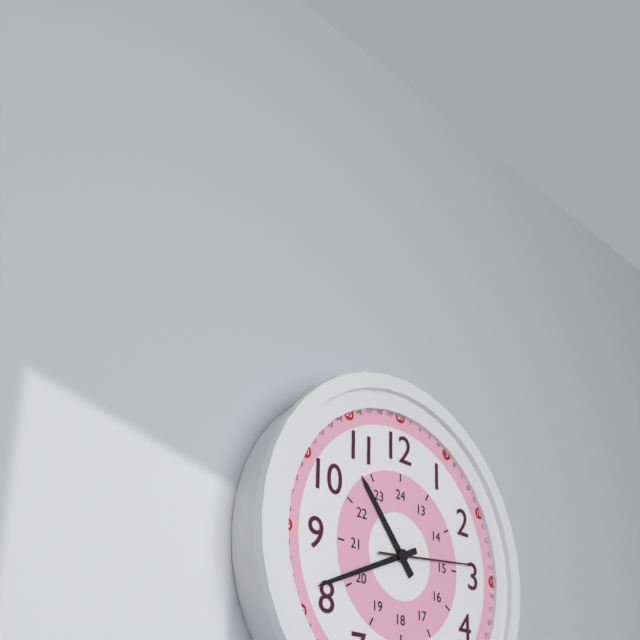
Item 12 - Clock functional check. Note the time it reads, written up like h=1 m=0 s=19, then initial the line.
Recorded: h=10 m=41 s=14
